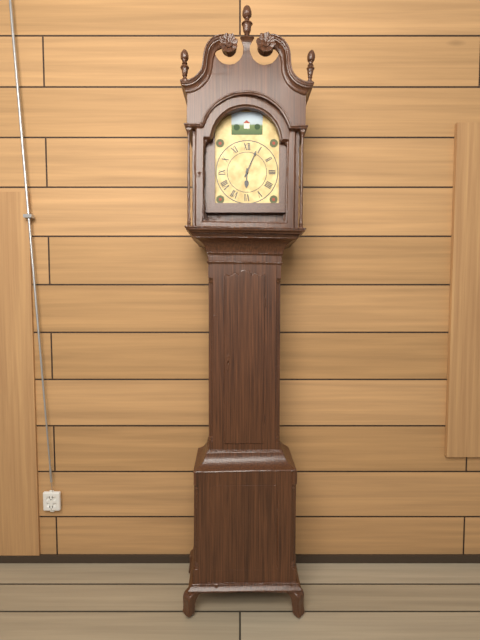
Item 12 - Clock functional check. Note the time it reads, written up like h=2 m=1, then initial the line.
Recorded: h=6 m=4
